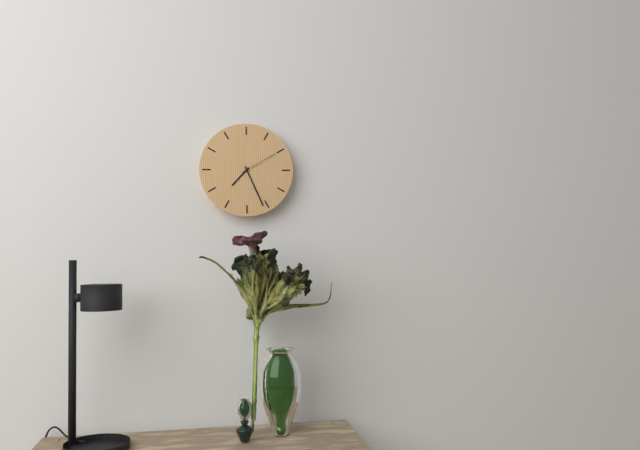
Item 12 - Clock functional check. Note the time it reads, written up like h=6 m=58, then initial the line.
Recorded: h=7 m=26
